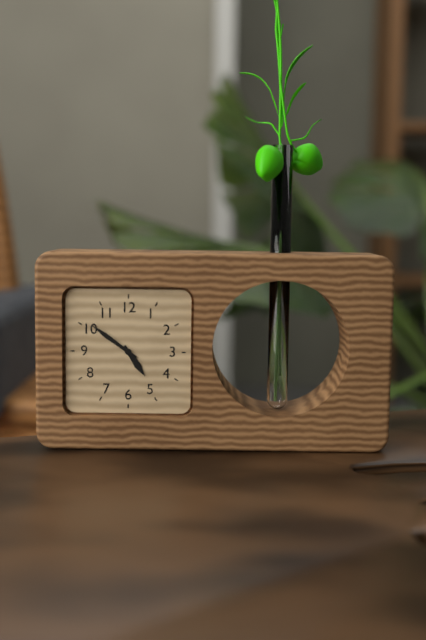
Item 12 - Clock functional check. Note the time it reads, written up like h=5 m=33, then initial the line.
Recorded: h=4 m=51
